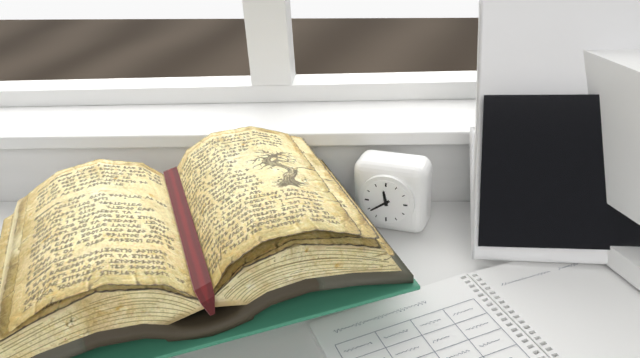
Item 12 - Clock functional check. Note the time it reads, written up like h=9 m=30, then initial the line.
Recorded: h=11 m=39
